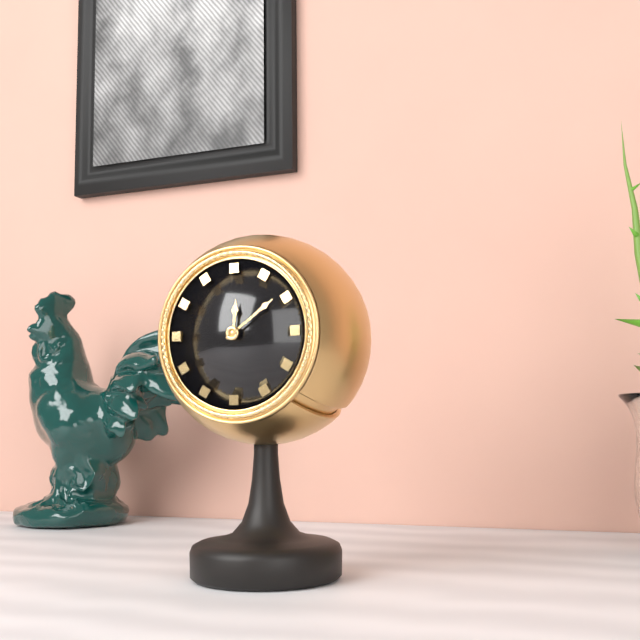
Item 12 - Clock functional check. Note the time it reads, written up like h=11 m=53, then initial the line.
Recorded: h=12 m=9
